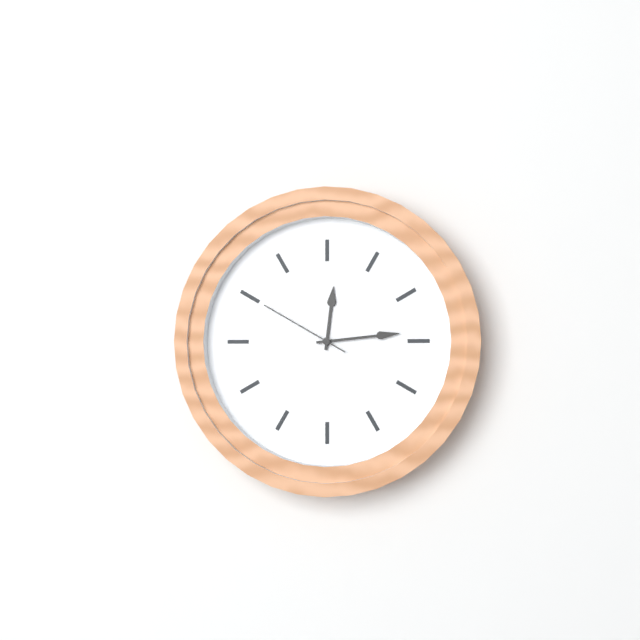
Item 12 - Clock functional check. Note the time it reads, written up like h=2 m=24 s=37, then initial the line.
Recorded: h=12 m=14 s=50
